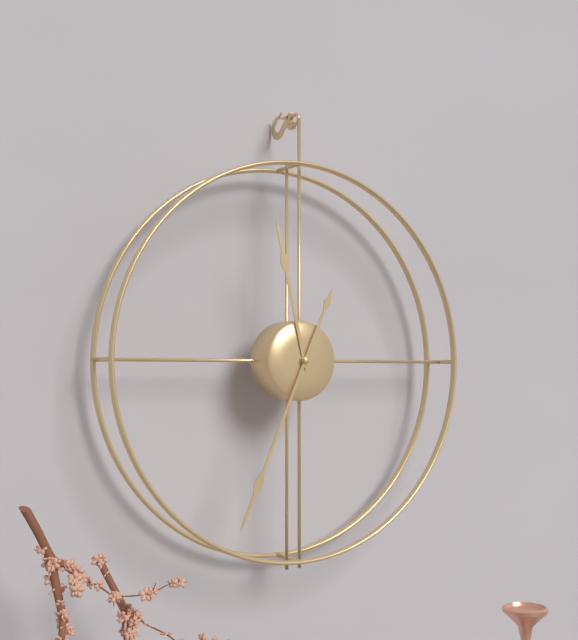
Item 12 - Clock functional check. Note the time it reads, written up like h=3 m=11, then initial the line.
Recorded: h=11 m=34
